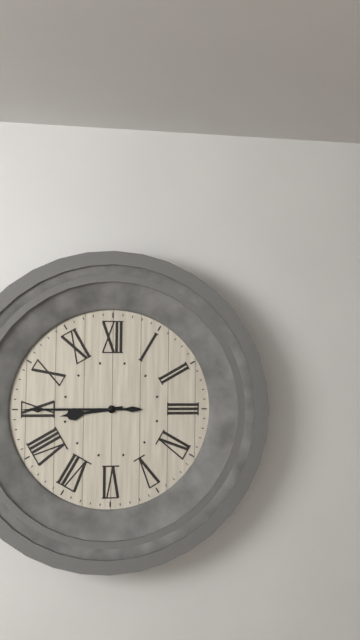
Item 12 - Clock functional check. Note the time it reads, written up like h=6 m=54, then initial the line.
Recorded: h=8 m=45
